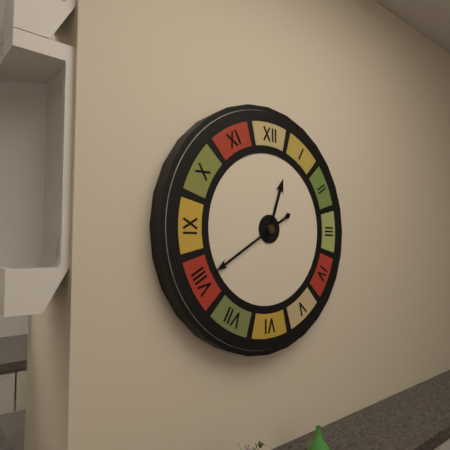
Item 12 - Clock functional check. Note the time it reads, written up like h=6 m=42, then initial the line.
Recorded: h=12 m=40
